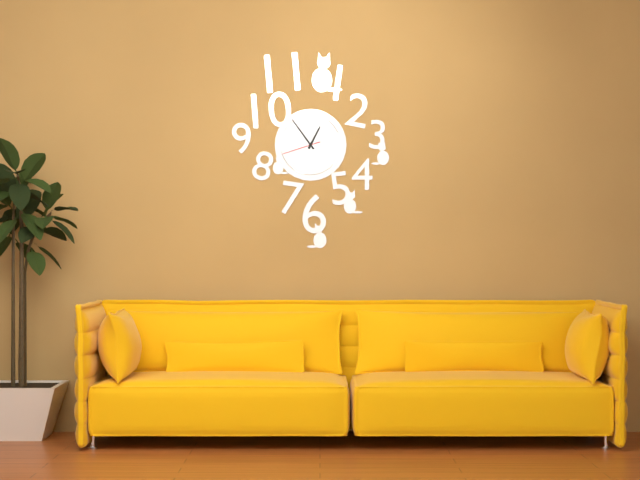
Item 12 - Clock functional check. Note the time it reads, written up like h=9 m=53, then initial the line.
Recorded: h=12 m=54
